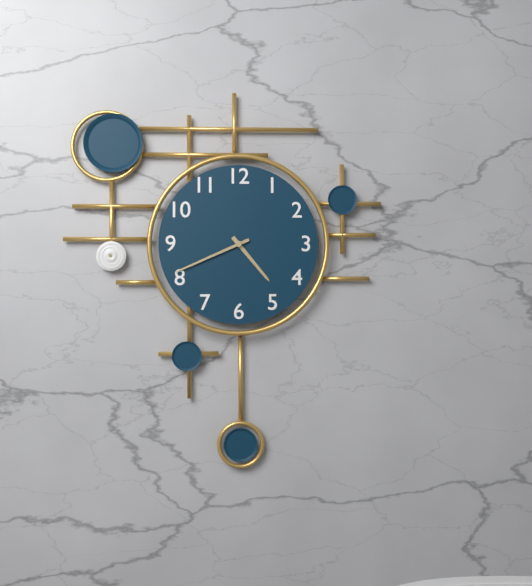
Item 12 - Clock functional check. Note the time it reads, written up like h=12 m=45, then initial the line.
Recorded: h=4 m=41
